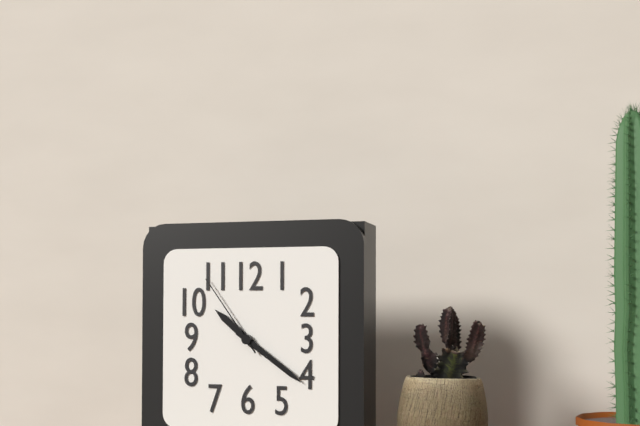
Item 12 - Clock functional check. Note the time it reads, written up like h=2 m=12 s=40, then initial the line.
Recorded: h=10 m=21 s=54
